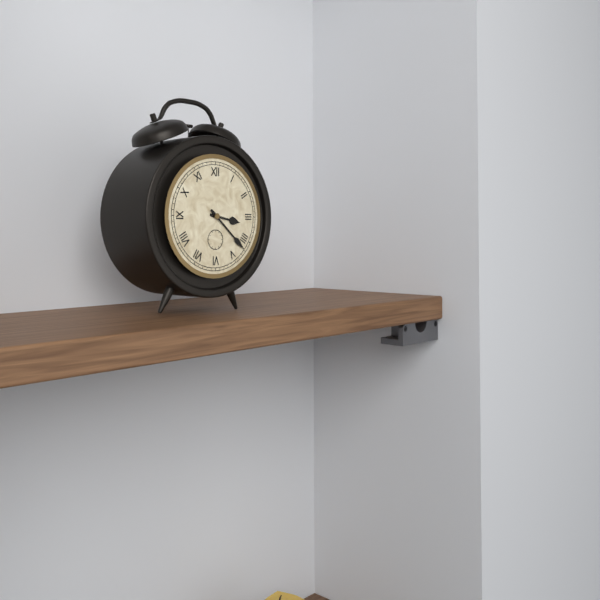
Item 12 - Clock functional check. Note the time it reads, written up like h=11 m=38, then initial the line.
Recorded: h=3 m=22
